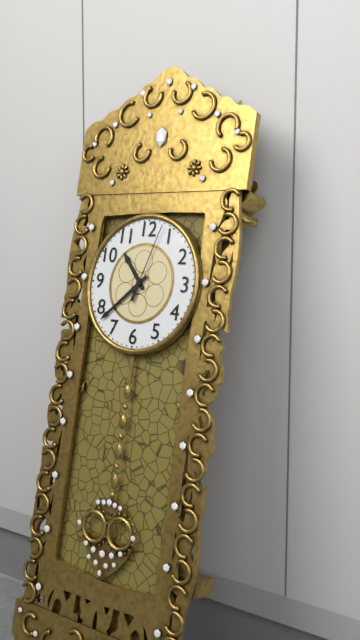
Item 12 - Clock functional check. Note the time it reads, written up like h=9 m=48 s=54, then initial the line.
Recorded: h=10 m=38 s=3
